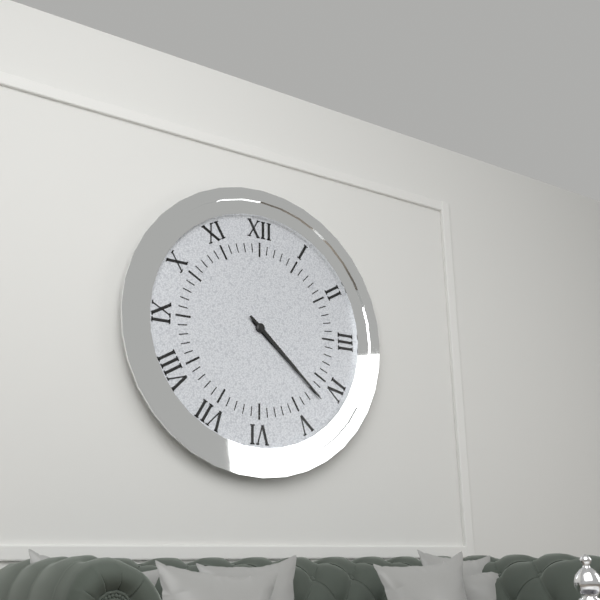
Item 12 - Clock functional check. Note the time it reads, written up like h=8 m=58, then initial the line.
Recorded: h=4 m=22
